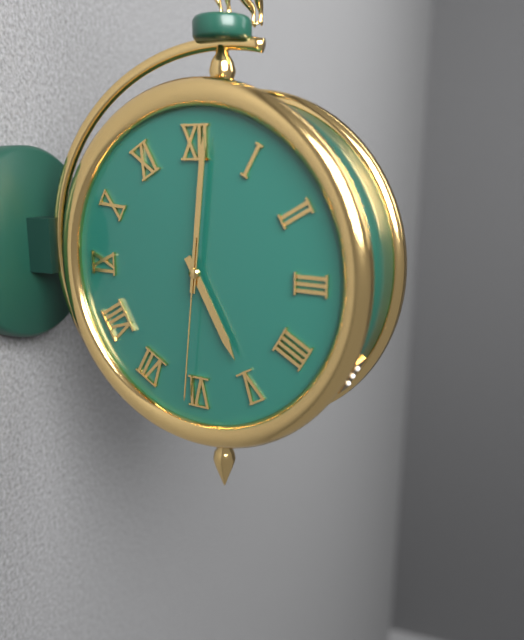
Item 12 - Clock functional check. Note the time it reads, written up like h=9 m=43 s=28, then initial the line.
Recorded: h=5 m=1 s=31
